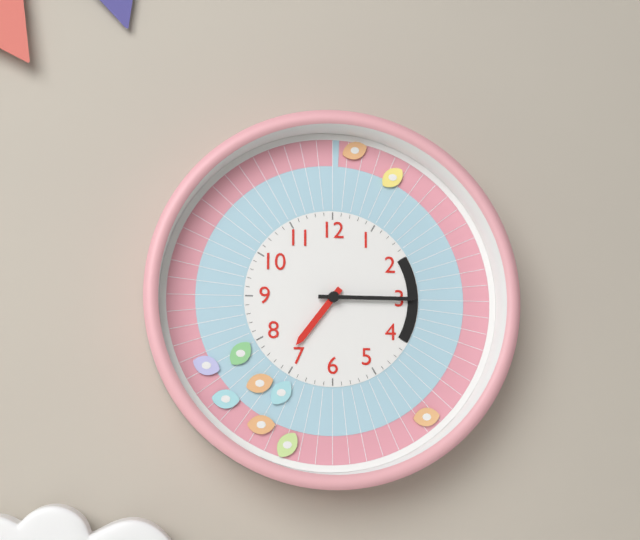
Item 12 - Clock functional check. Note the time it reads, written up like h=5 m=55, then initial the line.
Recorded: h=7 m=15
